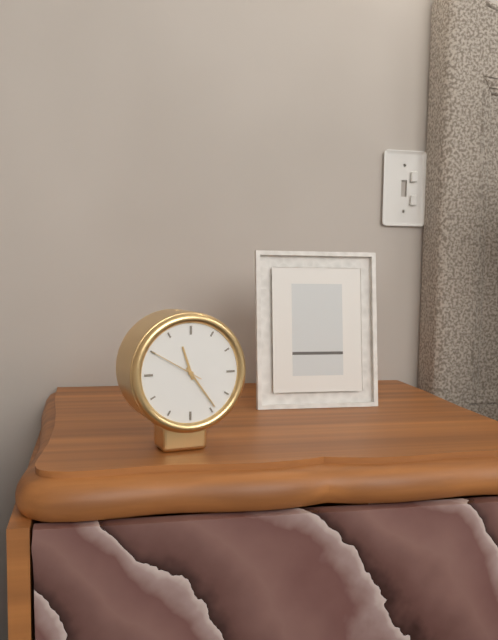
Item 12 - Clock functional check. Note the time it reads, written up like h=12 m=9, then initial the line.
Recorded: h=11 m=24
